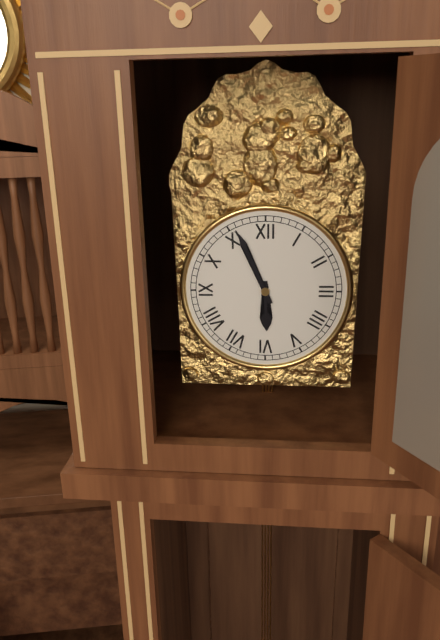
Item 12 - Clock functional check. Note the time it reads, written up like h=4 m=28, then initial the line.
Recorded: h=5 m=56
